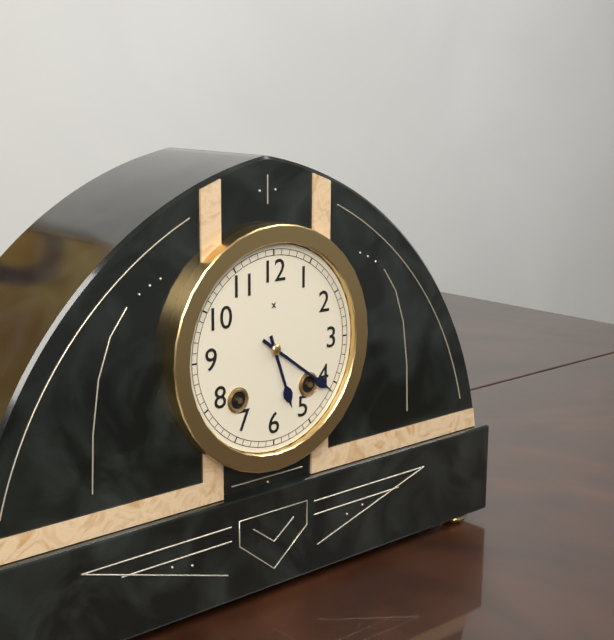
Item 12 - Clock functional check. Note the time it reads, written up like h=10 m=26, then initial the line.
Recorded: h=5 m=21
